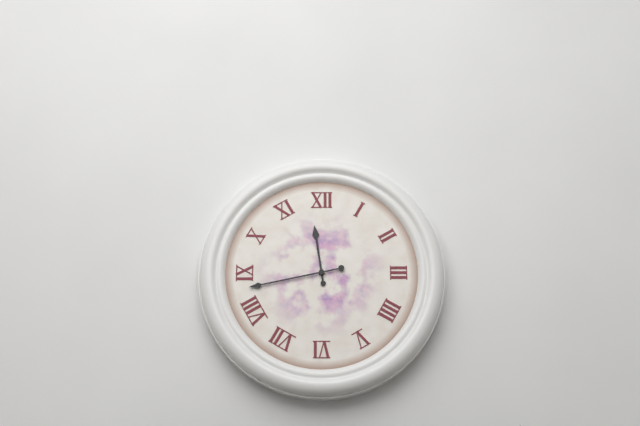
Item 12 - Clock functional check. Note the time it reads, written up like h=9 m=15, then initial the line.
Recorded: h=11 m=43
